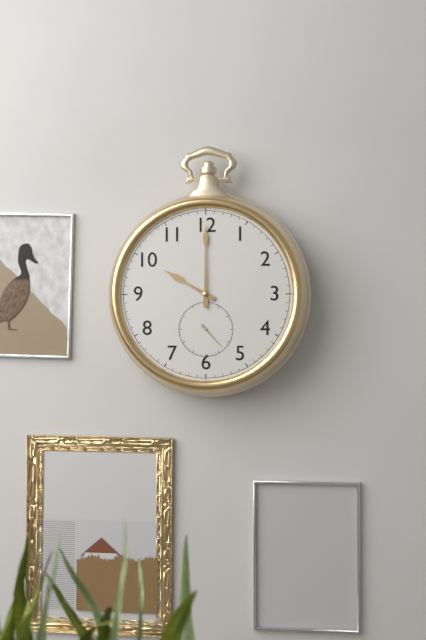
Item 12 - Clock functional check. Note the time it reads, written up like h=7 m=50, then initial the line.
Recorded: h=10 m=0
